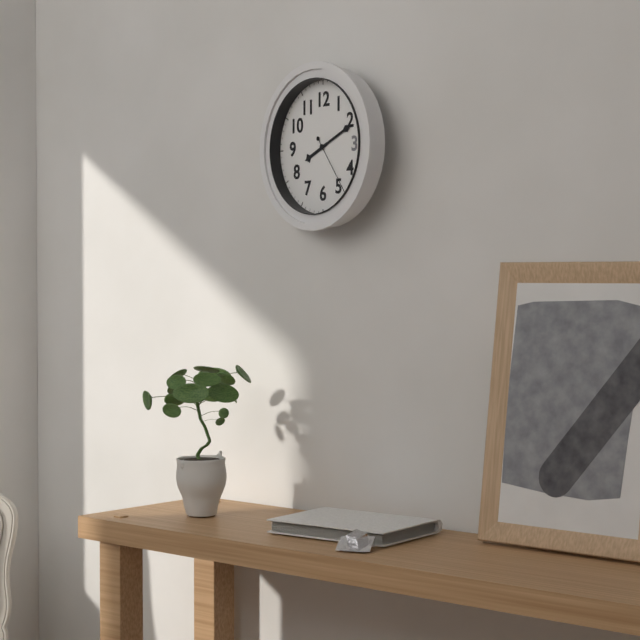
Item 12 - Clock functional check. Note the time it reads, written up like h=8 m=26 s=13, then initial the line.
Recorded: h=8 m=11 s=24
